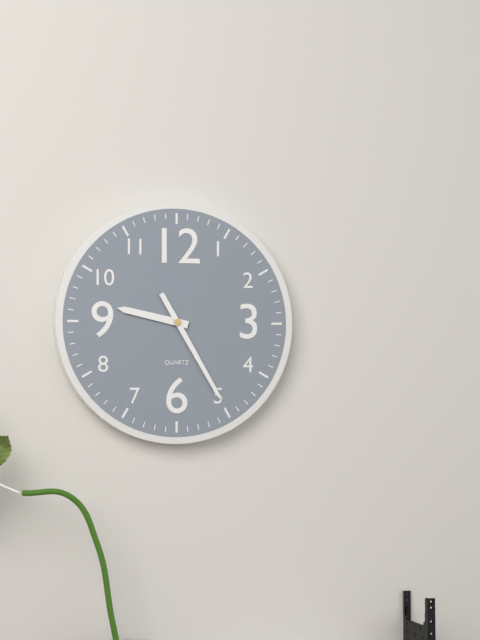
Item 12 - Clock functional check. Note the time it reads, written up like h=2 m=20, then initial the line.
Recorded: h=9 m=25
